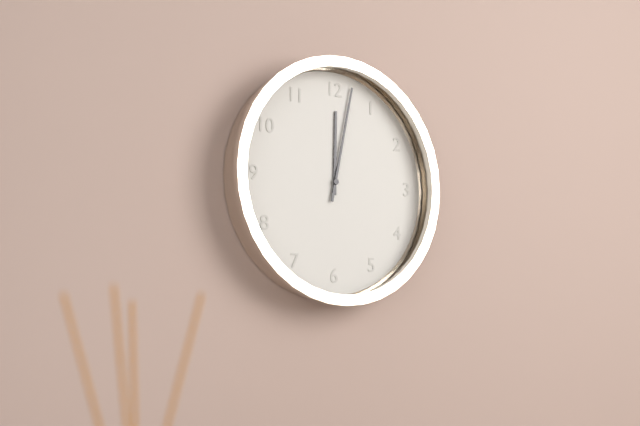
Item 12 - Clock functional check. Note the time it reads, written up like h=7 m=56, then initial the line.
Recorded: h=12 m=2
